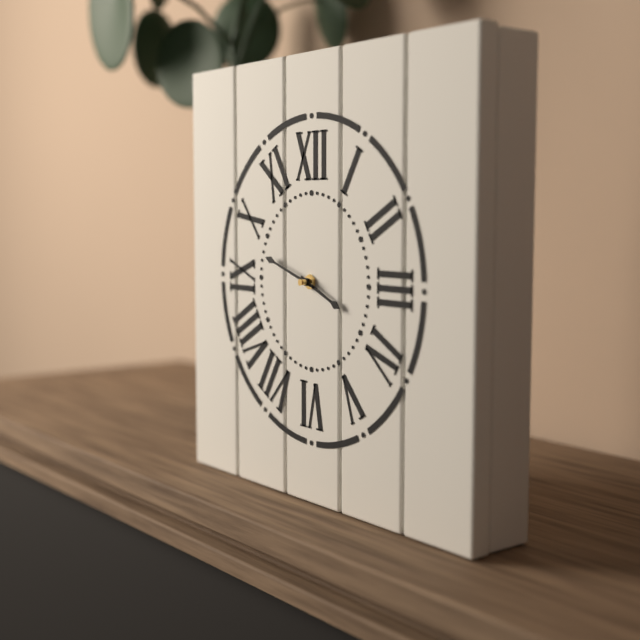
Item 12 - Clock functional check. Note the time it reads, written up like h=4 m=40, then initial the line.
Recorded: h=3 m=48
